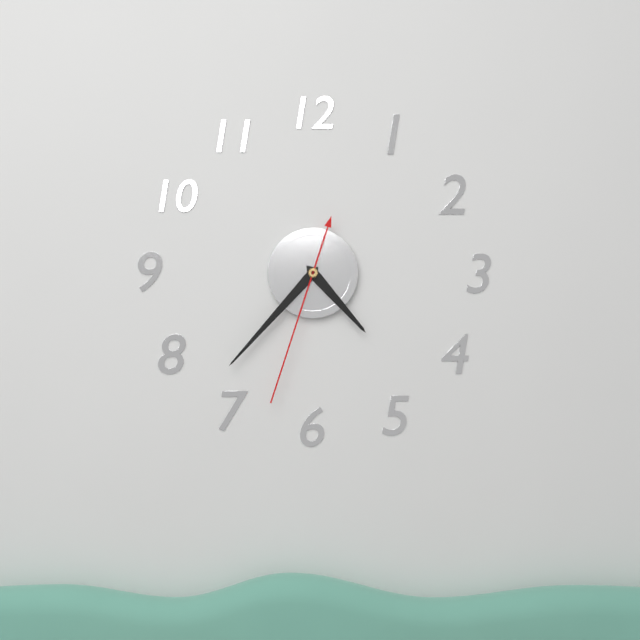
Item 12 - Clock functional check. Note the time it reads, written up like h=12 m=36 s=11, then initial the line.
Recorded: h=4 m=37 s=33
